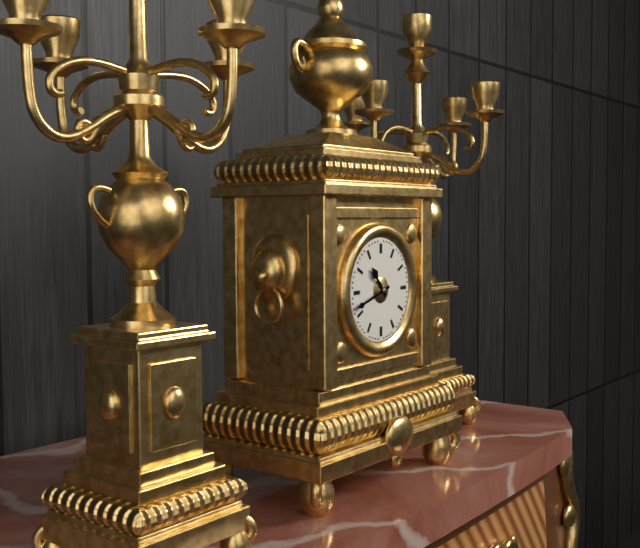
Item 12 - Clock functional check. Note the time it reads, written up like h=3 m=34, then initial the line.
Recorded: h=10 m=42
